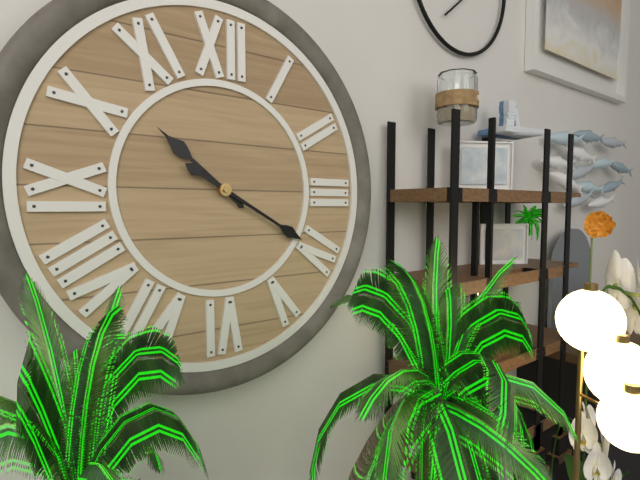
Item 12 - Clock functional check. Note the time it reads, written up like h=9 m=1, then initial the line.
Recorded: h=10 m=20
